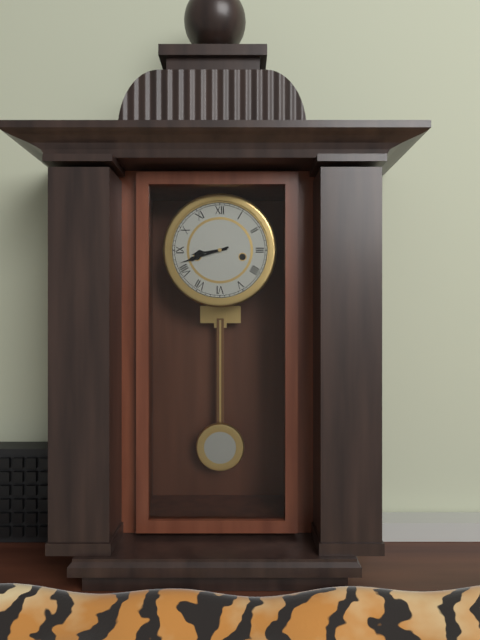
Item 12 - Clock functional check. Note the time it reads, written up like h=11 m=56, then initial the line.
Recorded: h=8 m=42
